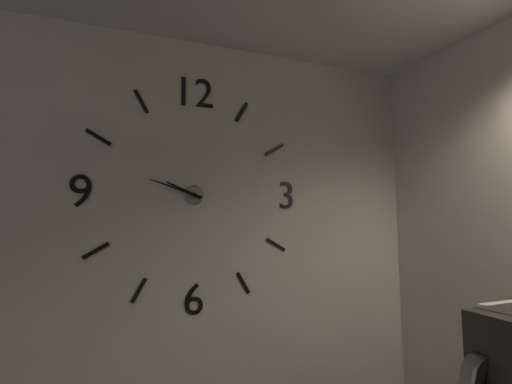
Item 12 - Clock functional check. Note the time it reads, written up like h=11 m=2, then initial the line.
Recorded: h=9 m=48
